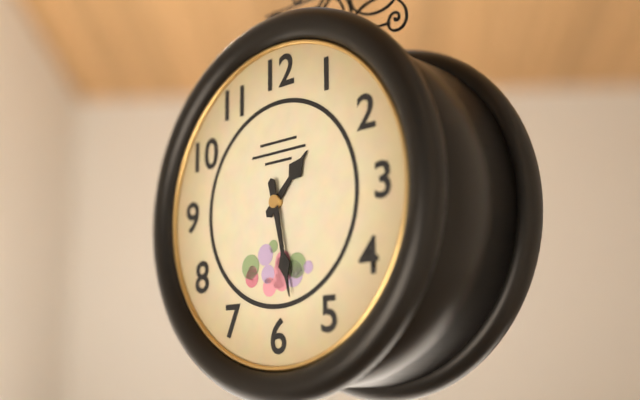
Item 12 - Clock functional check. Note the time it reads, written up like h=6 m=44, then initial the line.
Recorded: h=1 m=28
